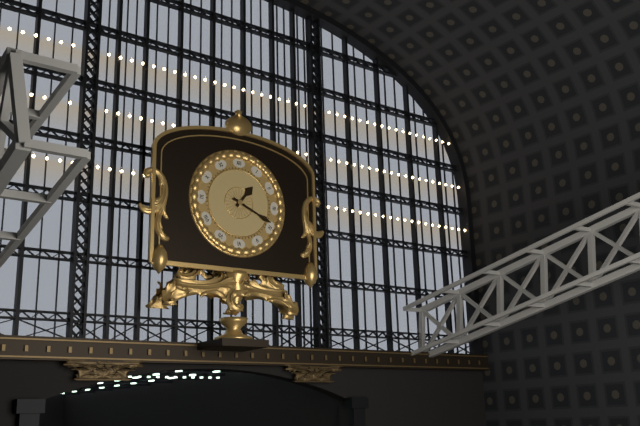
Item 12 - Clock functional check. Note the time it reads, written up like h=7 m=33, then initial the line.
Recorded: h=1 m=19
